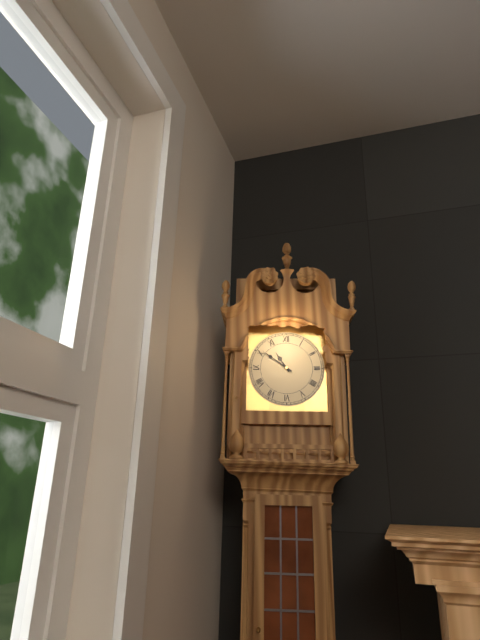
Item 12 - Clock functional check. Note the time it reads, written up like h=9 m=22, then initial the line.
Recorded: h=10 m=51
